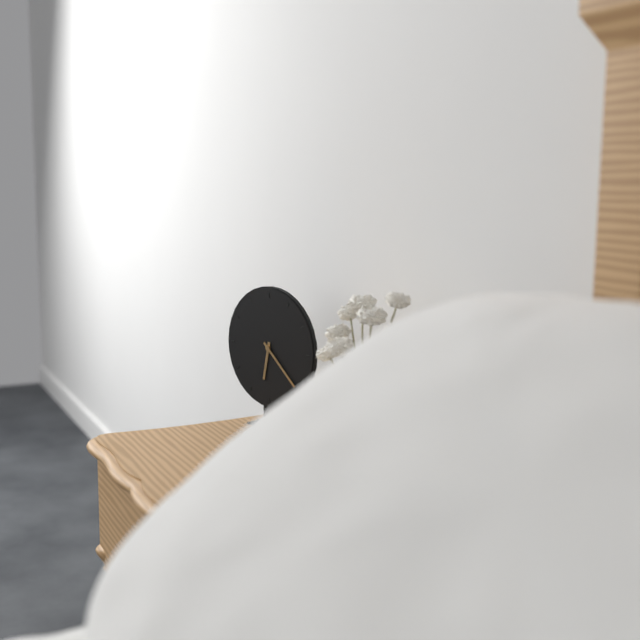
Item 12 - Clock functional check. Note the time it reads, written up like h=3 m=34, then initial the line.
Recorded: h=6 m=22
